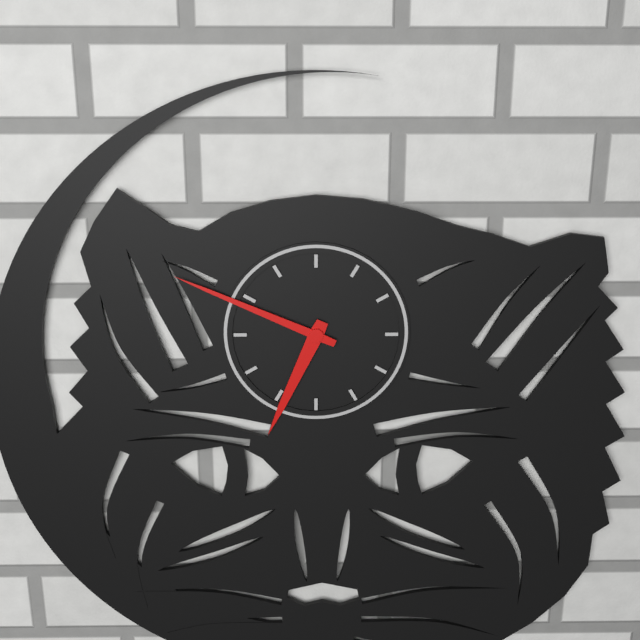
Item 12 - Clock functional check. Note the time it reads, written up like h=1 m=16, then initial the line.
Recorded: h=6 m=49
